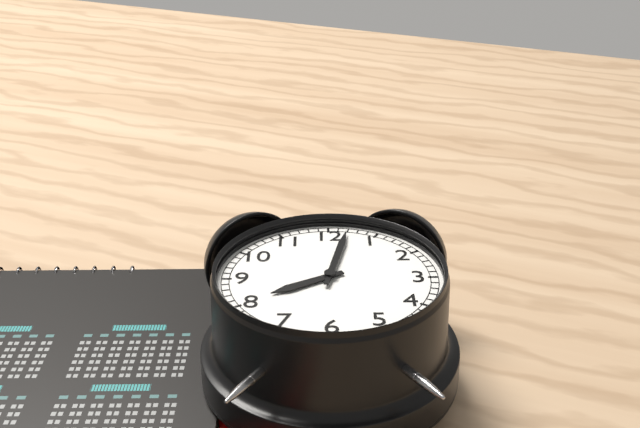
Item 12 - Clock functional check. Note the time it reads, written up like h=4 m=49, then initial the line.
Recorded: h=8 m=2
